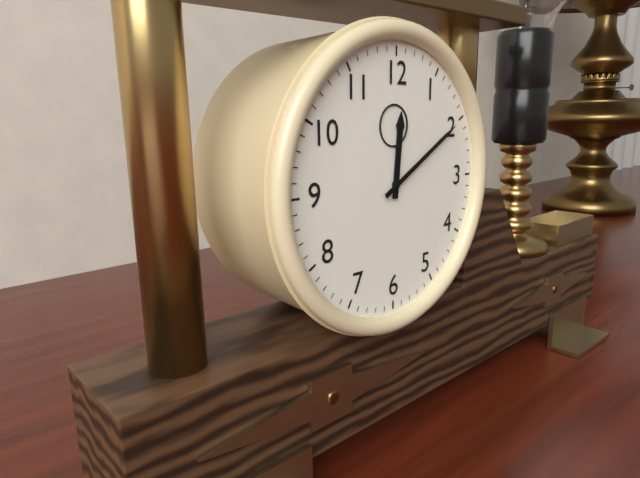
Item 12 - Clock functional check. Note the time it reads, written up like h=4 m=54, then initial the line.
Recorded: h=12 m=10
